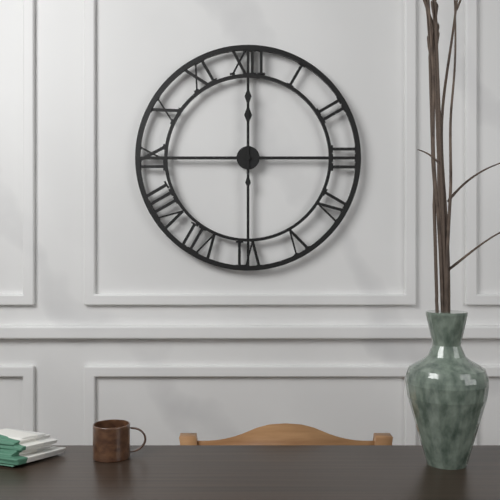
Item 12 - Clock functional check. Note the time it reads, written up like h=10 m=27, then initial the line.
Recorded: h=12 m=0
